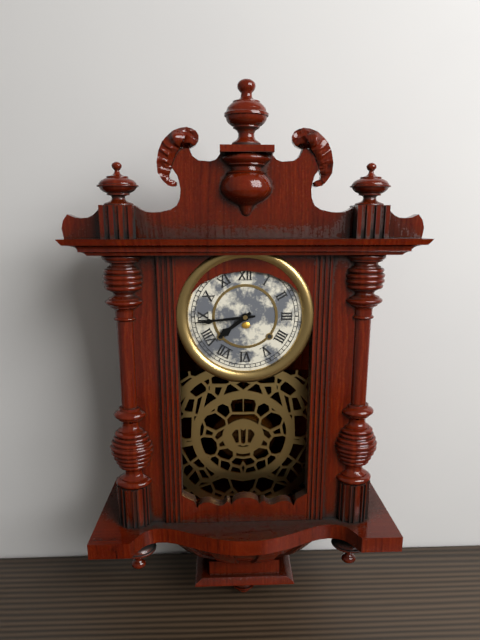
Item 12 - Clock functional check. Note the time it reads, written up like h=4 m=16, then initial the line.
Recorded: h=7 m=44
